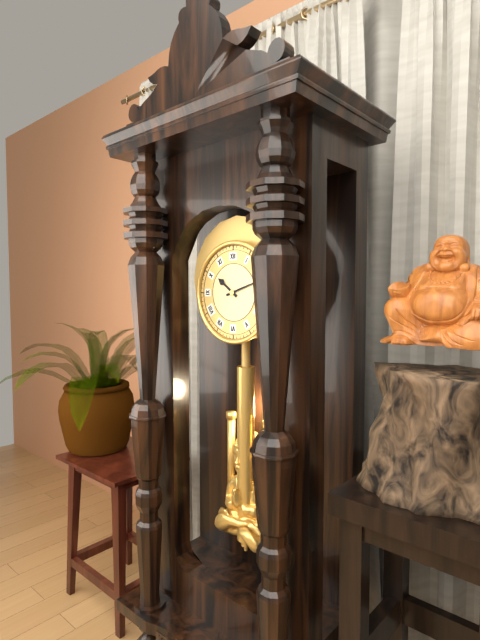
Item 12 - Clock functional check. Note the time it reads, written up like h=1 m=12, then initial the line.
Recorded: h=10 m=12
